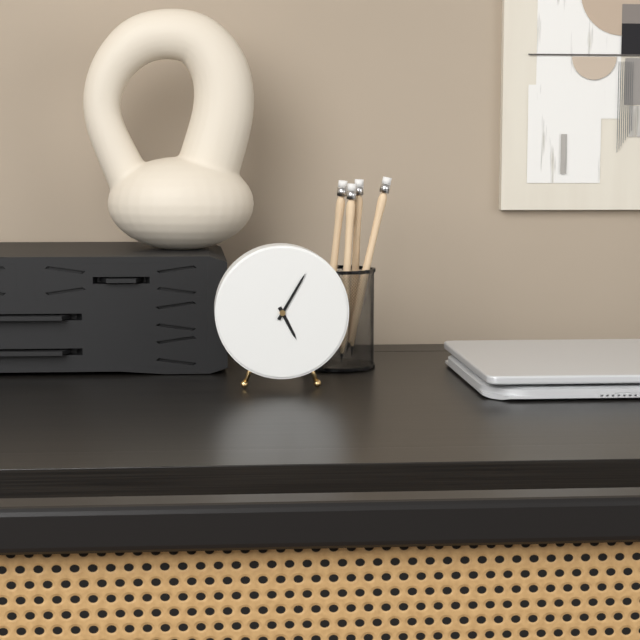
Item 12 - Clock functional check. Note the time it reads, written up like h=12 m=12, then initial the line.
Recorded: h=5 m=5
